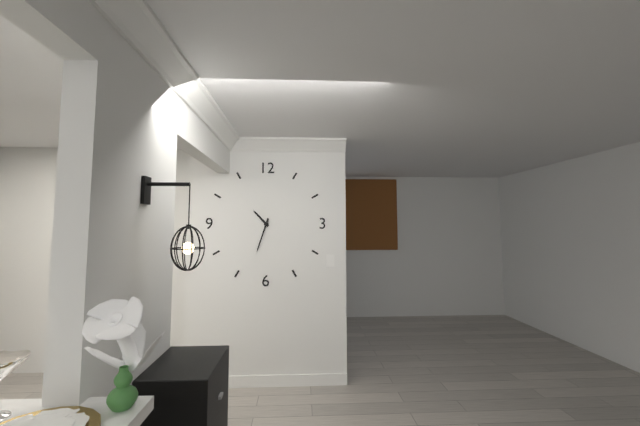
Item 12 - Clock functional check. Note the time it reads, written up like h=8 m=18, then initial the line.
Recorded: h=10 m=33
